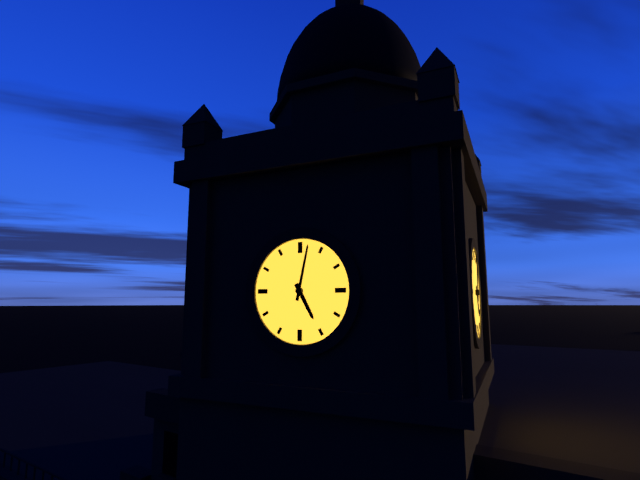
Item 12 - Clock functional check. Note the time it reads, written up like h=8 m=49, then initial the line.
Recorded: h=5 m=2
